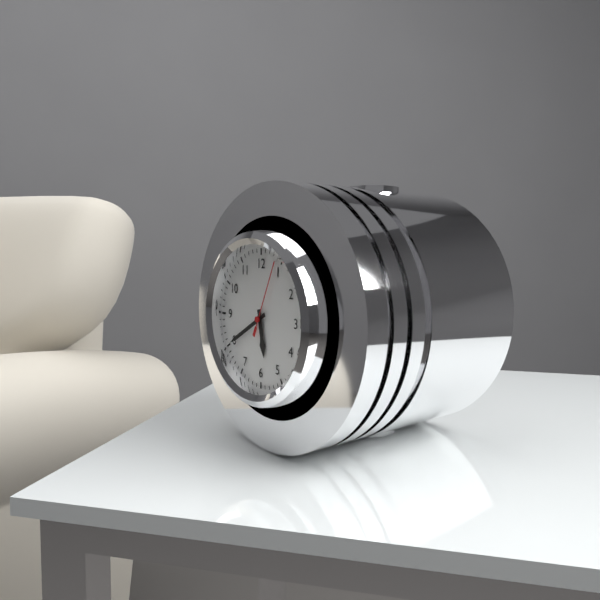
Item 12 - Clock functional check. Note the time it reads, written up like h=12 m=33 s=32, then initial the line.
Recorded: h=5 m=40 s=4
